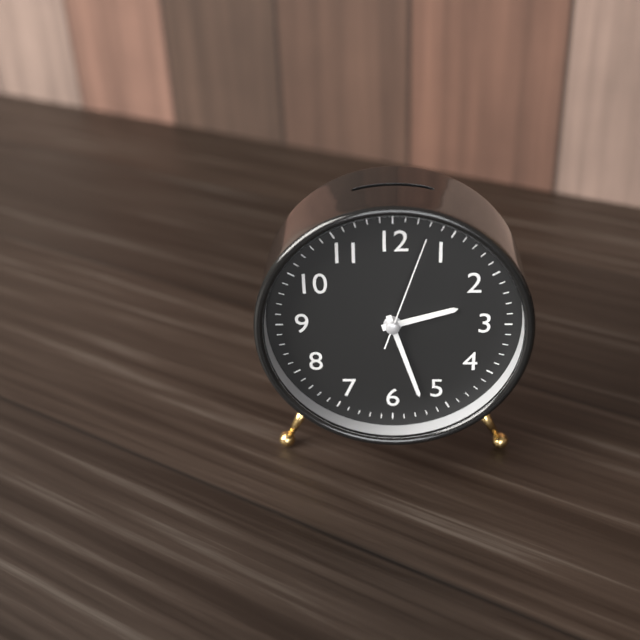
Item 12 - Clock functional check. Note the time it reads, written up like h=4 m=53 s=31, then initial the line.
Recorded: h=2 m=27 s=3
